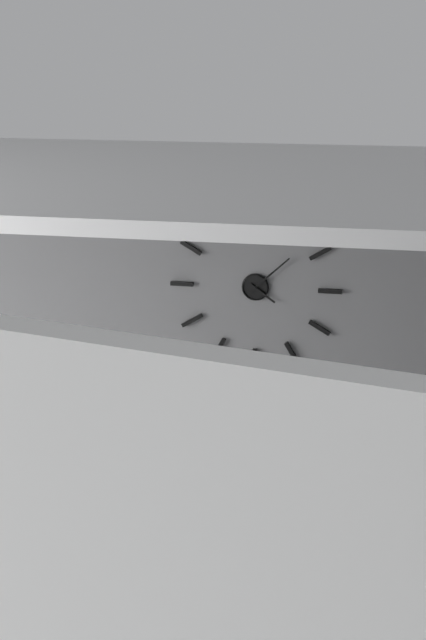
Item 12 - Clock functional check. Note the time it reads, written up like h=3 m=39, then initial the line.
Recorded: h=4 m=8
